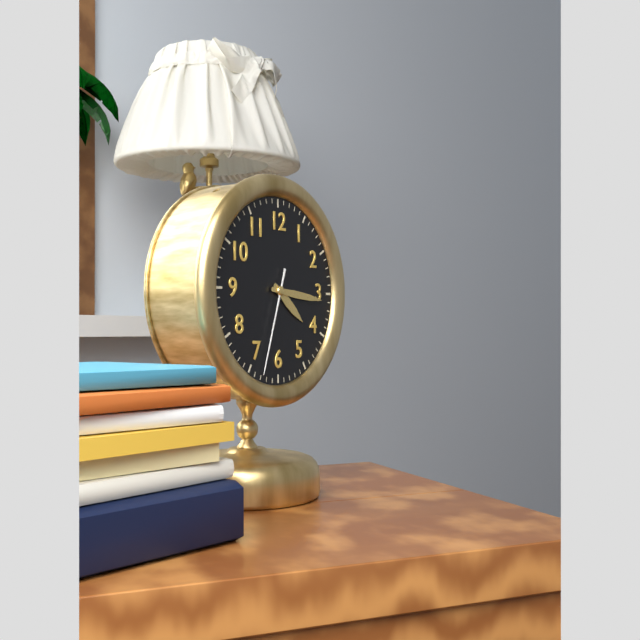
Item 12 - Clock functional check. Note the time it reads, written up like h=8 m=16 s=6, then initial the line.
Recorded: h=4 m=16 s=33
